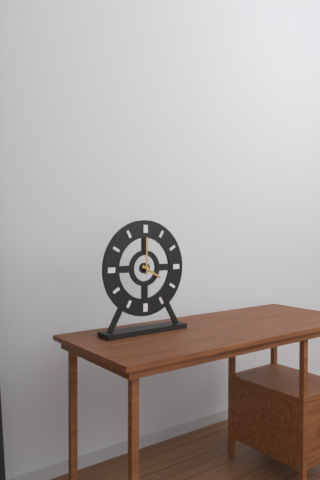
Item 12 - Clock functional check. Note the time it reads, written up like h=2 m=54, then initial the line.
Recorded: h=4 m=0
